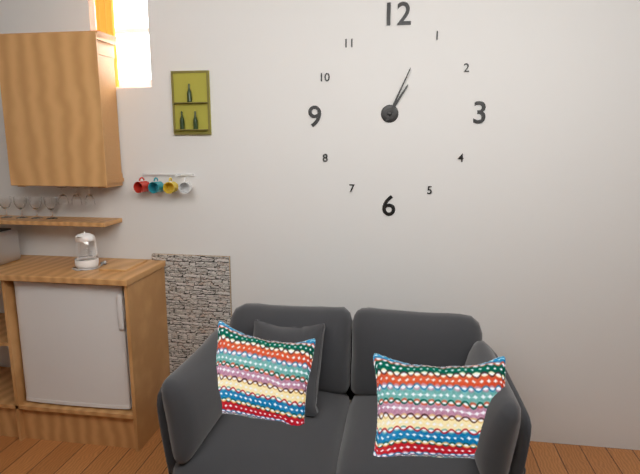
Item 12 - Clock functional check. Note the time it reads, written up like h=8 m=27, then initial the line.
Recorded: h=1 m=4
